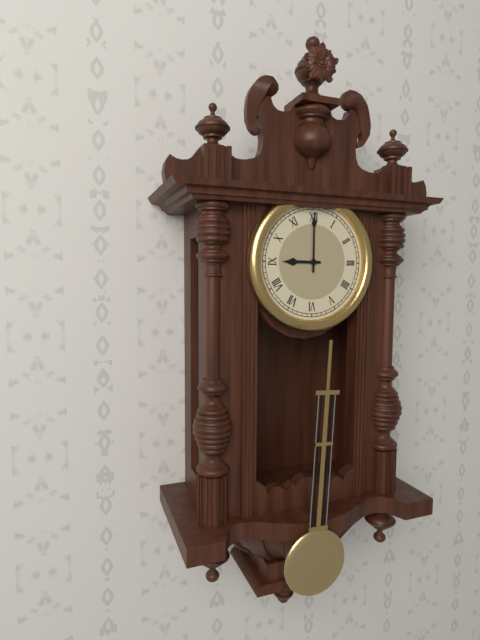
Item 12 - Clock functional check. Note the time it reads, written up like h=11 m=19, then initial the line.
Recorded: h=9 m=0
